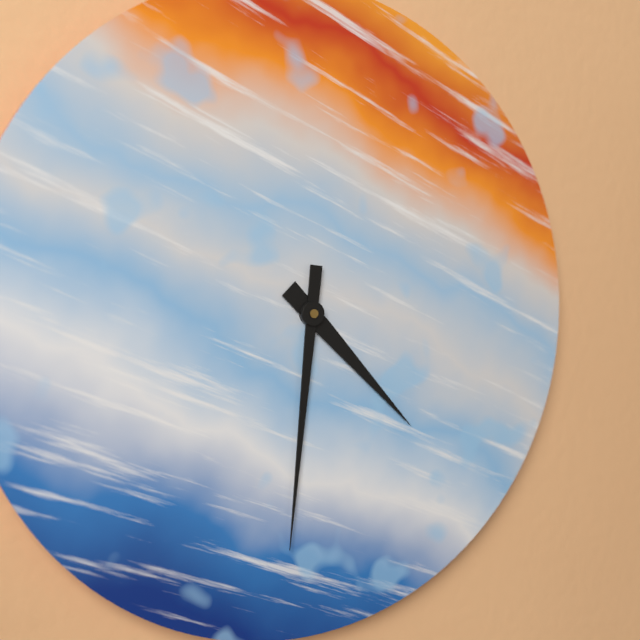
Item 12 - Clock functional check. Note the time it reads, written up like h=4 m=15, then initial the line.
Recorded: h=4 m=31
